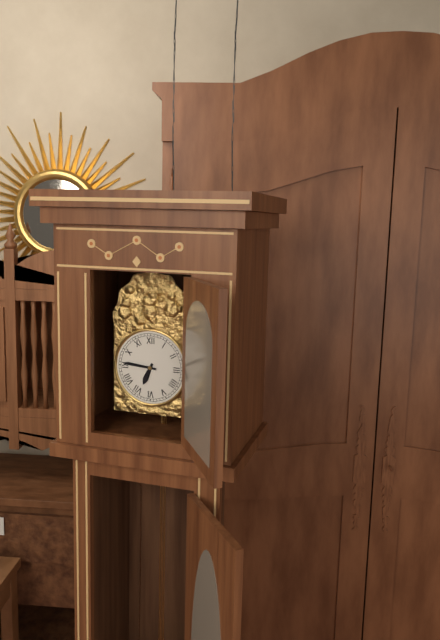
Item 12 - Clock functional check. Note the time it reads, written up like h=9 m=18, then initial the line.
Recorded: h=6 m=46
